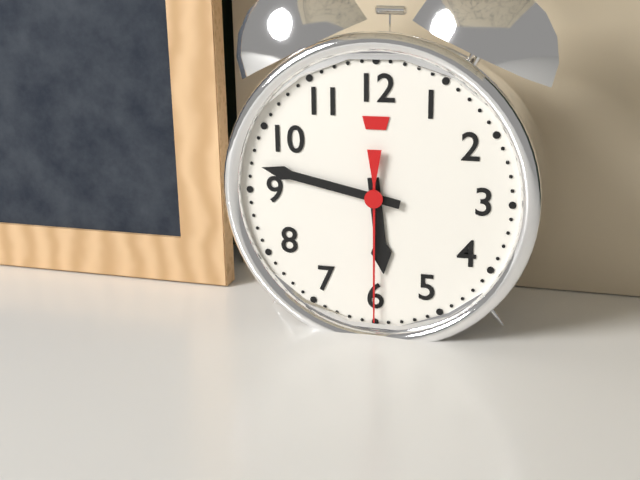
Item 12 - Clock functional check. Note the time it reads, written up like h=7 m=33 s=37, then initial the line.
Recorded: h=5 m=47 s=30
